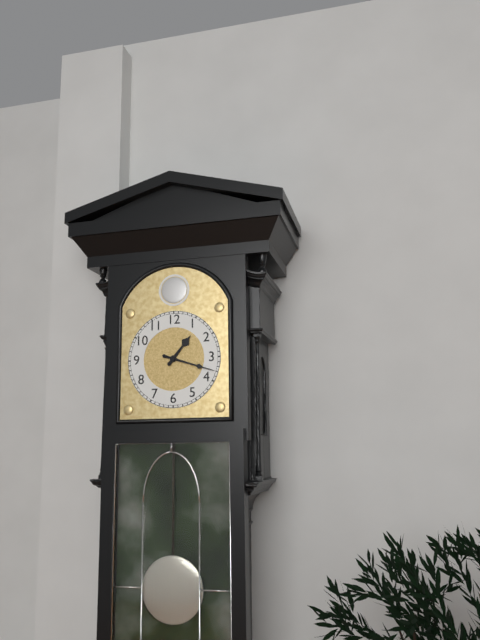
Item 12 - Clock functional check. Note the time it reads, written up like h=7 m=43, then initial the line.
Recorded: h=1 m=18
